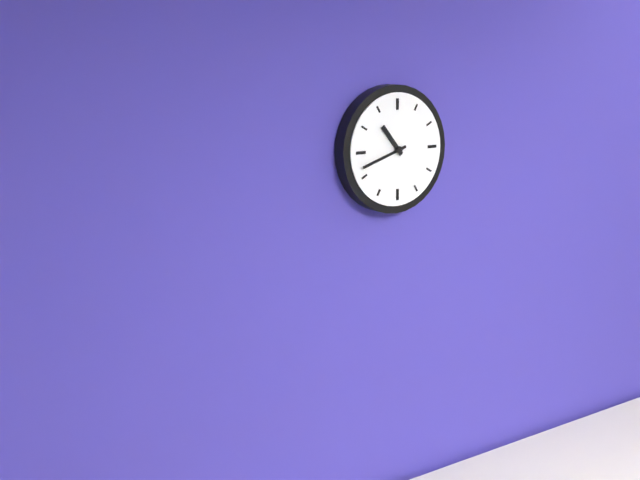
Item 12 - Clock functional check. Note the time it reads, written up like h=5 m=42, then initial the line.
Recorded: h=10 m=42
